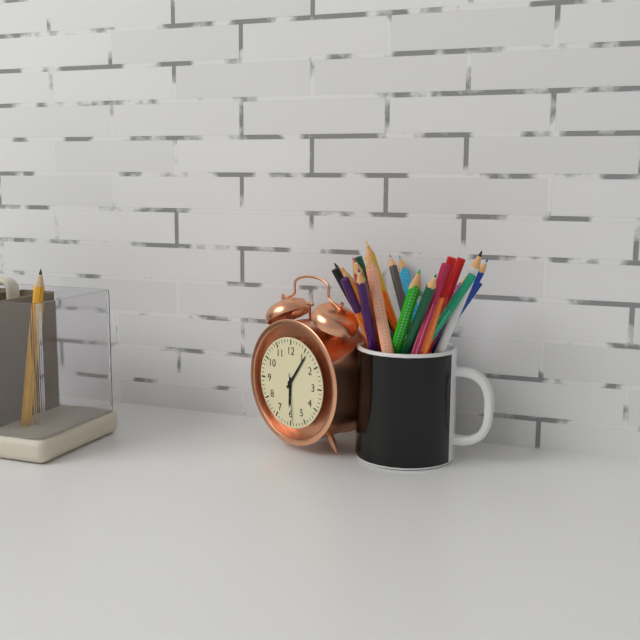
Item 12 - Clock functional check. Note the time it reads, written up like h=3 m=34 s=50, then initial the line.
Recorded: h=6 m=6 s=29
